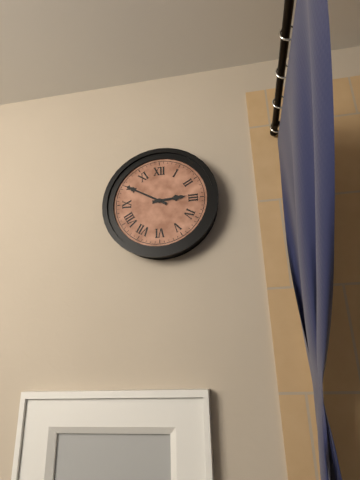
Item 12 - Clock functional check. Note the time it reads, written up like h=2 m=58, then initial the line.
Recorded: h=2 m=50
